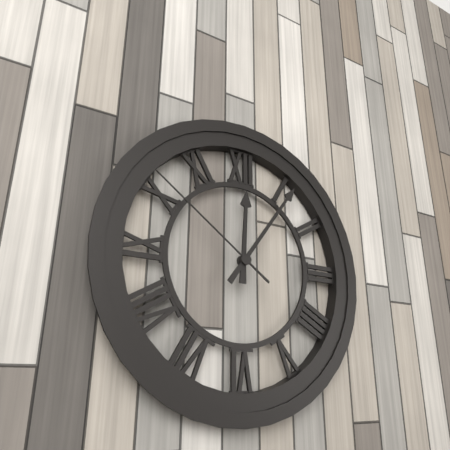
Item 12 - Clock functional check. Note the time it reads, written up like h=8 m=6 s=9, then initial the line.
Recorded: h=12 m=6 s=51
